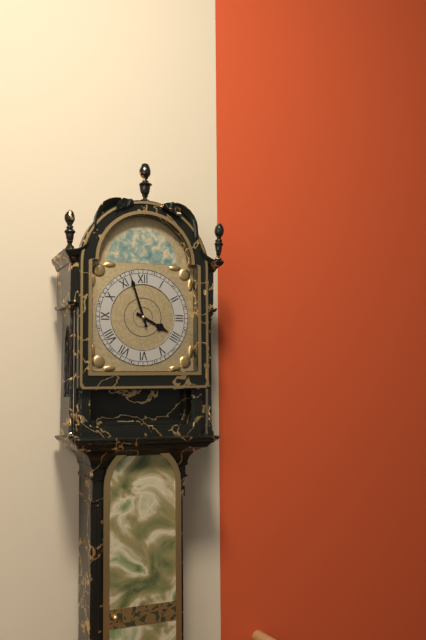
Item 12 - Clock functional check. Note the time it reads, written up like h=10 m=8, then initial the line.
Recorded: h=3 m=57
